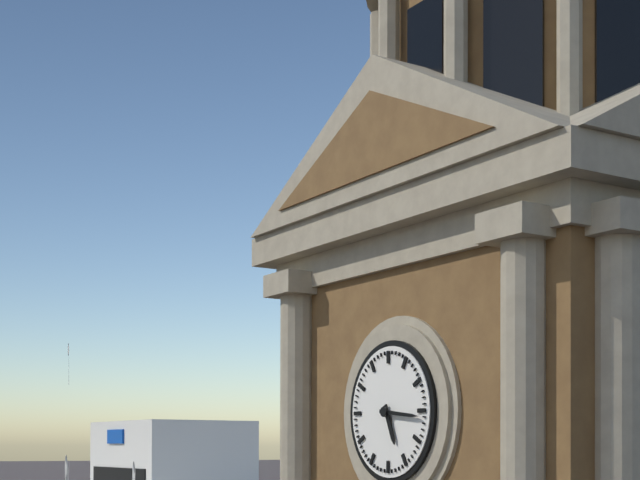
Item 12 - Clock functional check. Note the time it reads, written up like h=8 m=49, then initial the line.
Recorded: h=5 m=16
